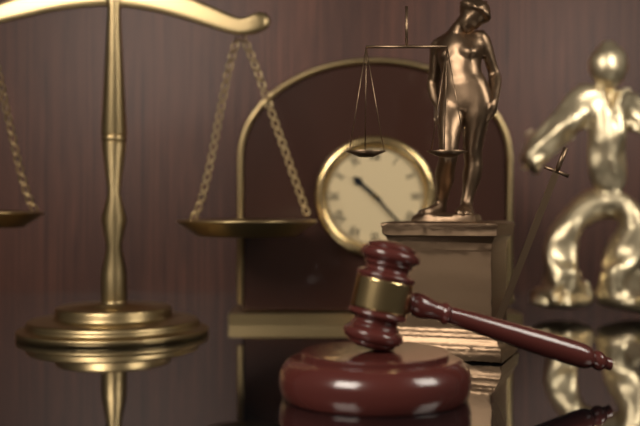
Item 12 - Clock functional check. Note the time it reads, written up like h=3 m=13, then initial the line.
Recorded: h=10 m=23
